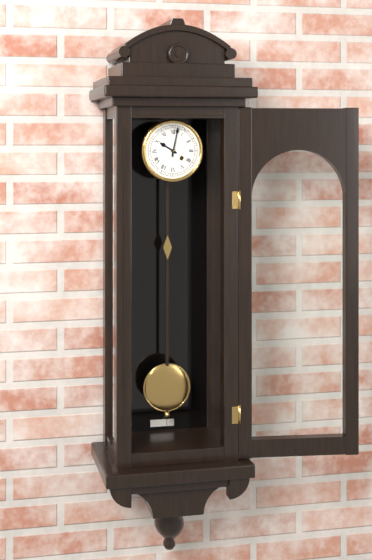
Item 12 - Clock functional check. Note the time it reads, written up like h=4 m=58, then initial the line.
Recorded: h=10 m=2
